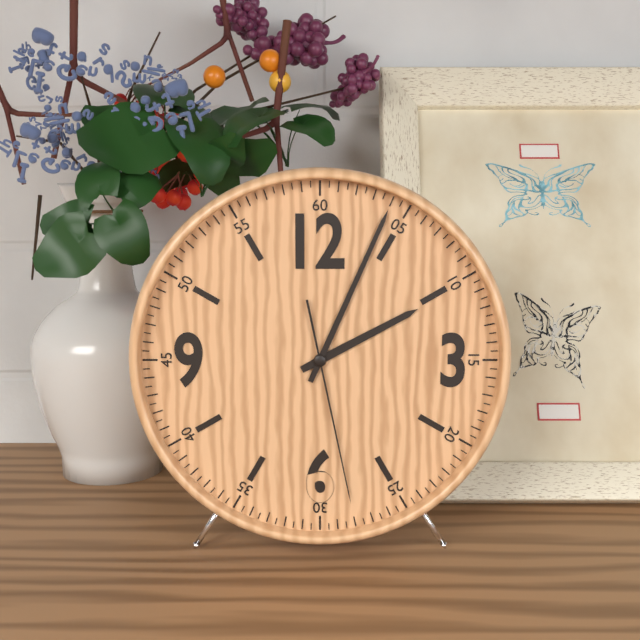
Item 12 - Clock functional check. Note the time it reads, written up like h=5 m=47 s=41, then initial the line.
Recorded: h=2 m=4 s=28
